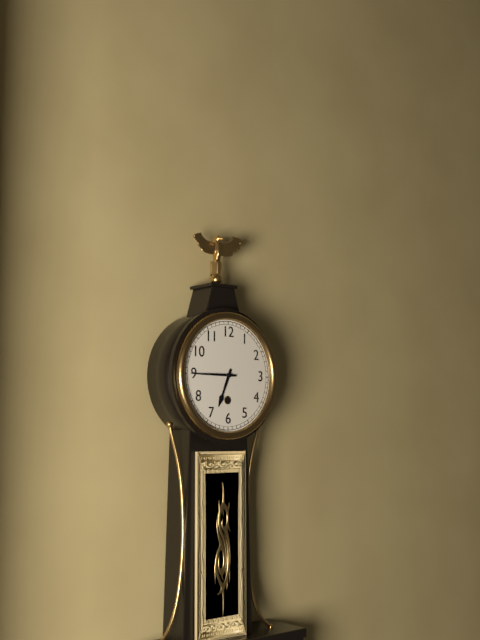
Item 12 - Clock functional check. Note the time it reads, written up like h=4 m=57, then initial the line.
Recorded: h=6 m=45
